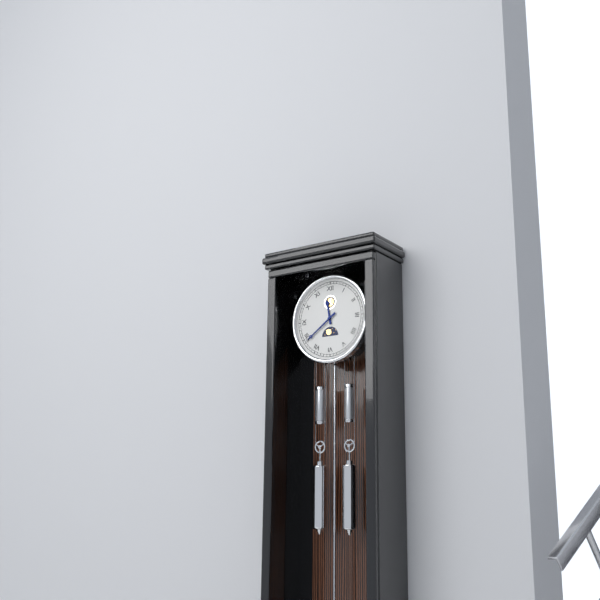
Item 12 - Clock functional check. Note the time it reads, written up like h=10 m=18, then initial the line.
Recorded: h=11 m=39
